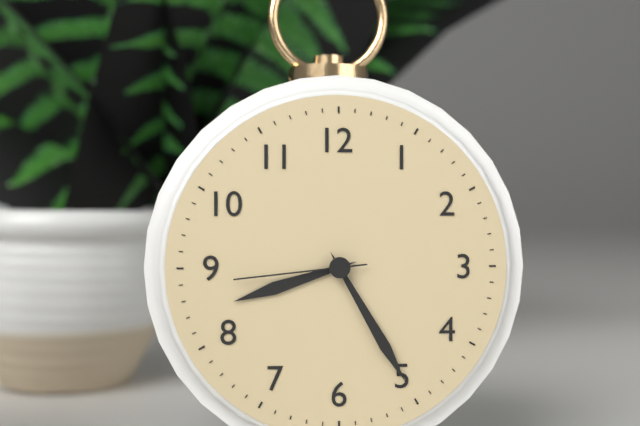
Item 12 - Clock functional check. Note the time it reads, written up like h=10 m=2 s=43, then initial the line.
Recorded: h=8 m=25 s=44
